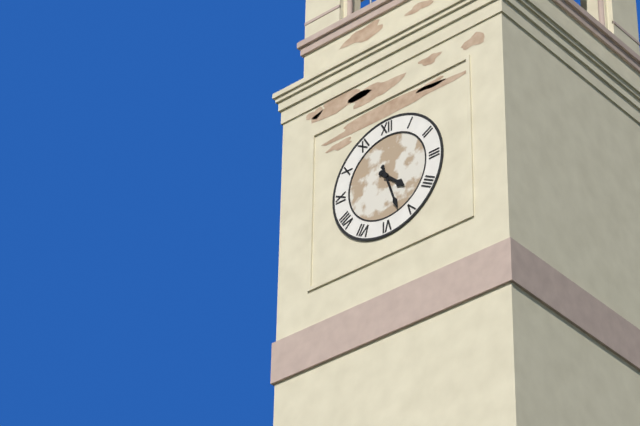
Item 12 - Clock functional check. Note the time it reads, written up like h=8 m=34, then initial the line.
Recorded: h=4 m=27
